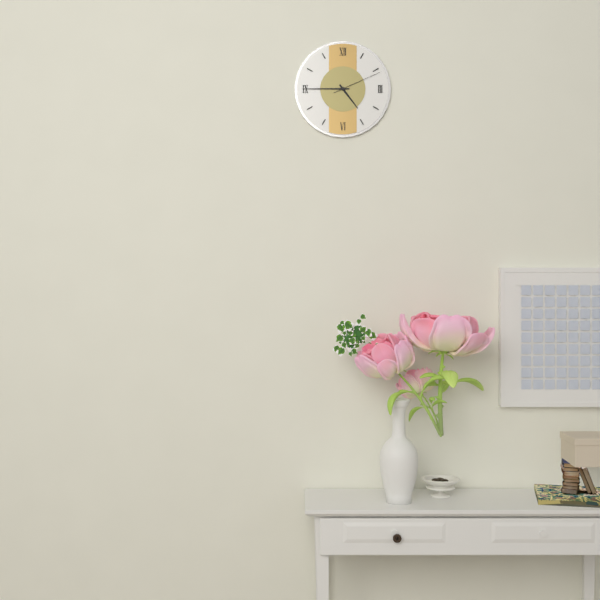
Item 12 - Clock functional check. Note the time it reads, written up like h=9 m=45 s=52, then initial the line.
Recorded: h=4 m=45 s=11
